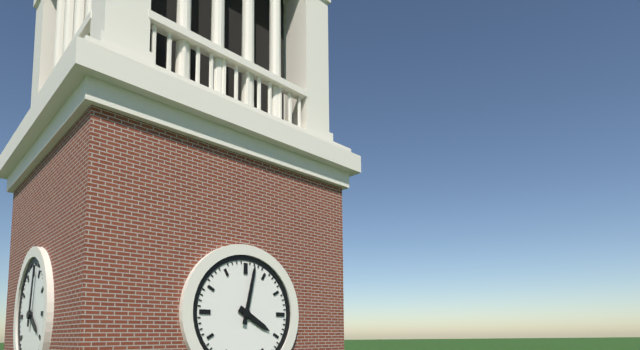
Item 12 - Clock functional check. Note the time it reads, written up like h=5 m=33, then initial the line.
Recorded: h=4 m=2
